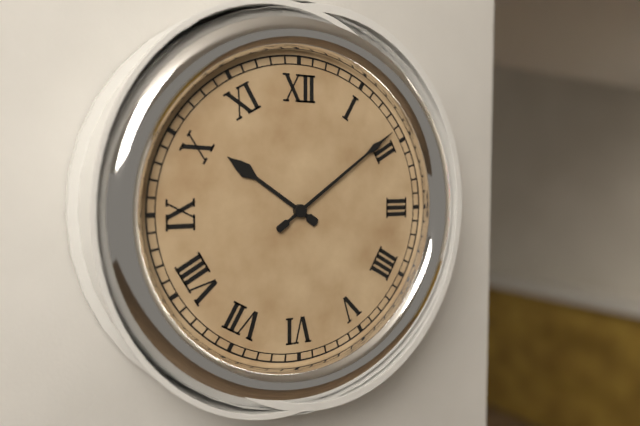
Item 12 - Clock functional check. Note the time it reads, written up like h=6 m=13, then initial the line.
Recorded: h=10 m=9
